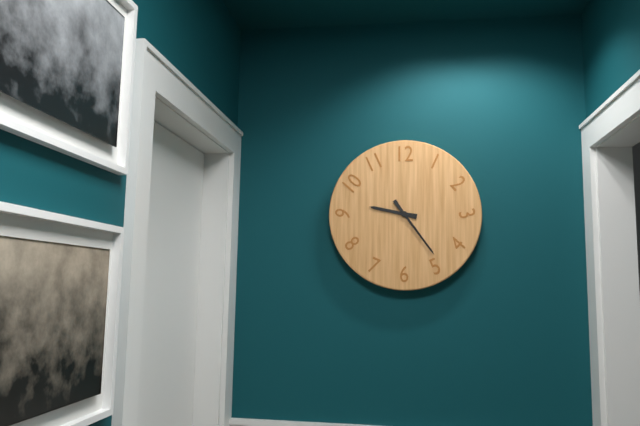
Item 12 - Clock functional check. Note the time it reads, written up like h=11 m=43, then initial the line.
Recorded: h=9 m=24
